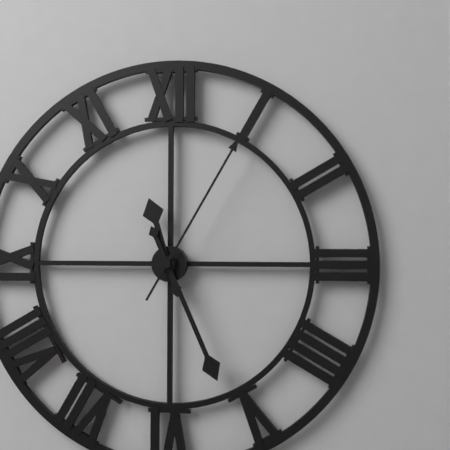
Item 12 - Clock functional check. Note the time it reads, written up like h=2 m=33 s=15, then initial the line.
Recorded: h=11 m=26 s=5
